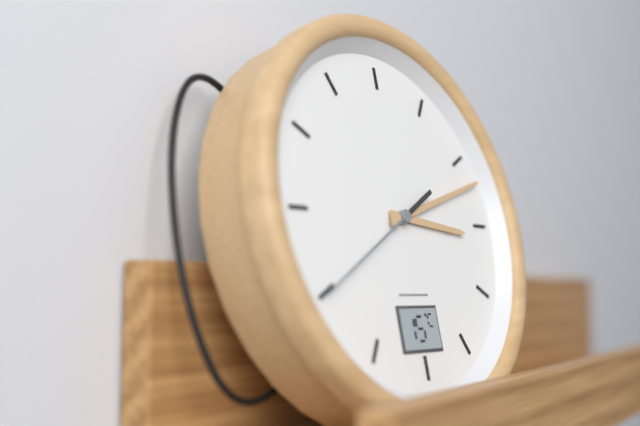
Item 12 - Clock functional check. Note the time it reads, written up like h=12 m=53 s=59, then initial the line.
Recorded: h=3 m=12 s=40
